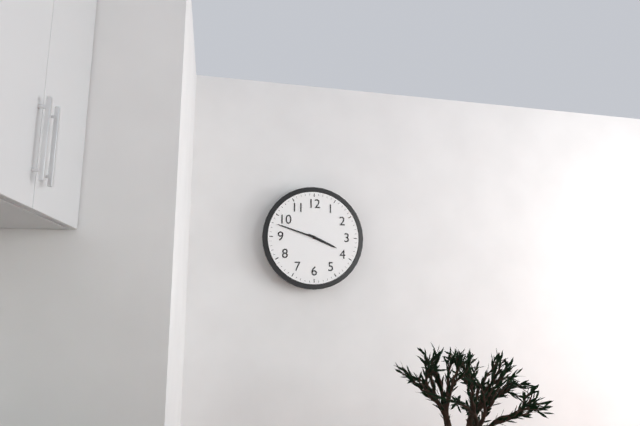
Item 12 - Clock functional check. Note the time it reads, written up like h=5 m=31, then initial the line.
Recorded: h=3 m=48
